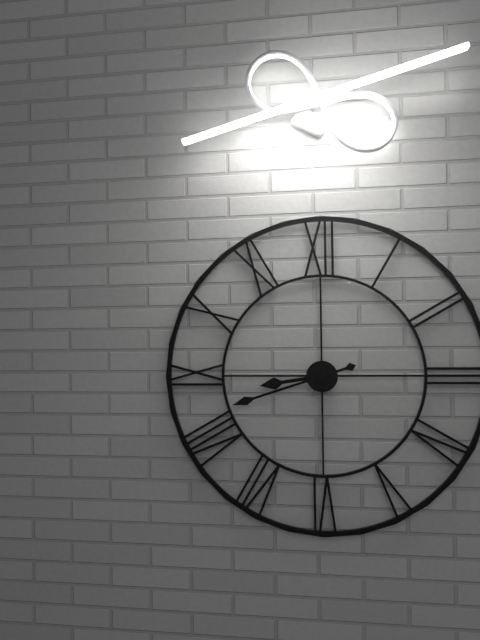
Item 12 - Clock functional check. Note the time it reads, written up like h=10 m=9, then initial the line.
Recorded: h=8 m=42
